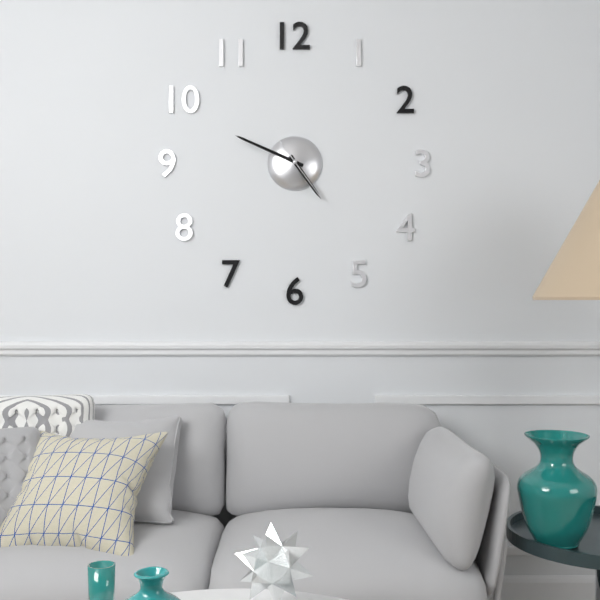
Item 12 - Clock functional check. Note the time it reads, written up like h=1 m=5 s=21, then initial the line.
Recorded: h=4 m=49 s=24
